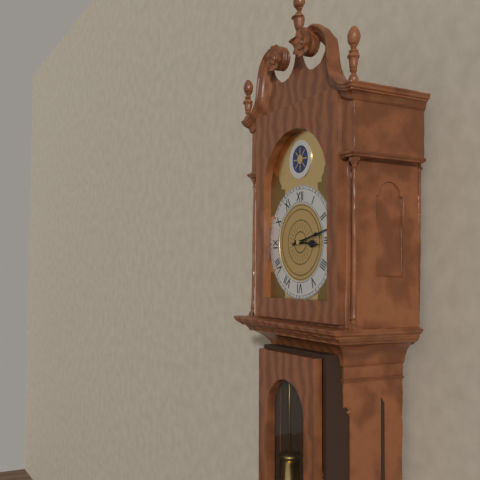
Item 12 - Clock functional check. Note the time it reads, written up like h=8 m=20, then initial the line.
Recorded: h=3 m=13
